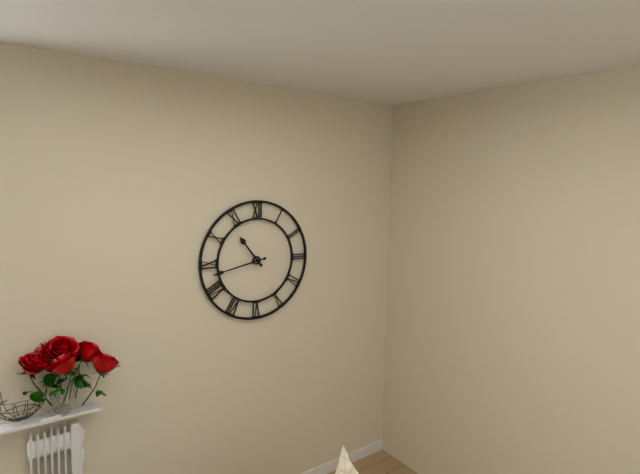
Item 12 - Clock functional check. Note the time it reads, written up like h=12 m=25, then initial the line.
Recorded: h=10 m=43
